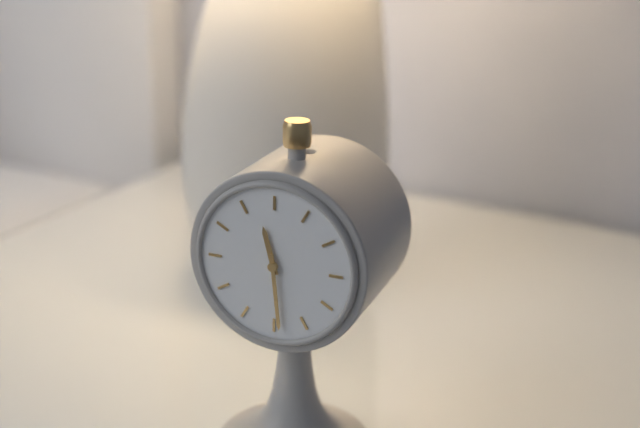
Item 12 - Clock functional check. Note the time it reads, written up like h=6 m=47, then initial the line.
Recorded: h=11 m=29
